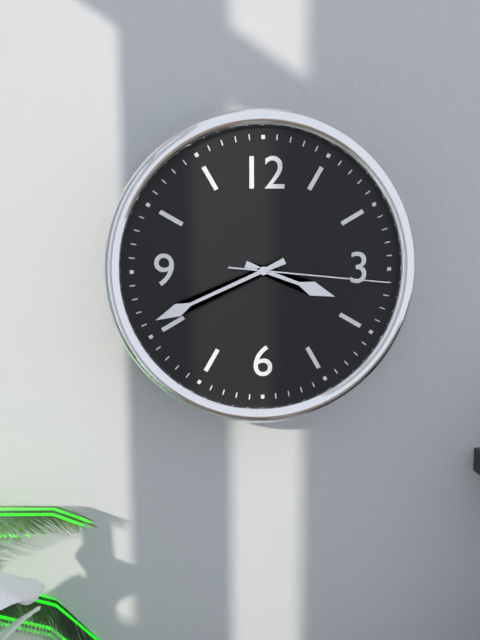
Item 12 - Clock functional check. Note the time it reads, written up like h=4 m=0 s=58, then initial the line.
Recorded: h=3 m=41 s=16
